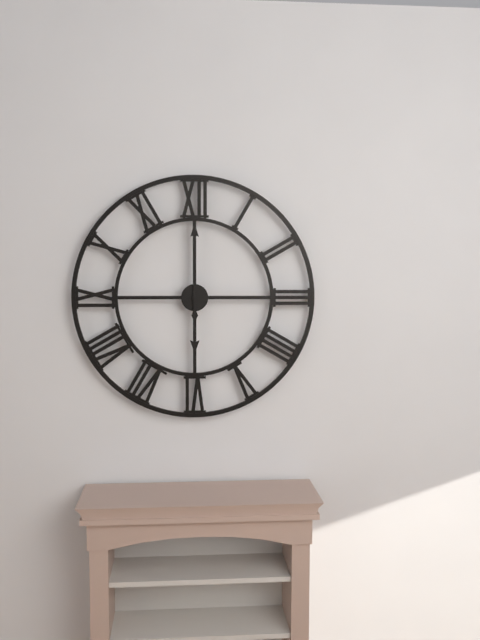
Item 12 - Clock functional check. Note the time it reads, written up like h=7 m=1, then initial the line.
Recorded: h=6 m=0
